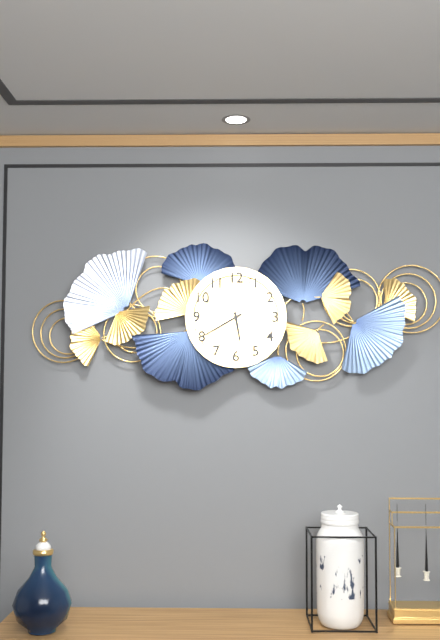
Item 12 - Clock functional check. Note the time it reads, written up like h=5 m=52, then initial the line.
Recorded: h=5 m=40
